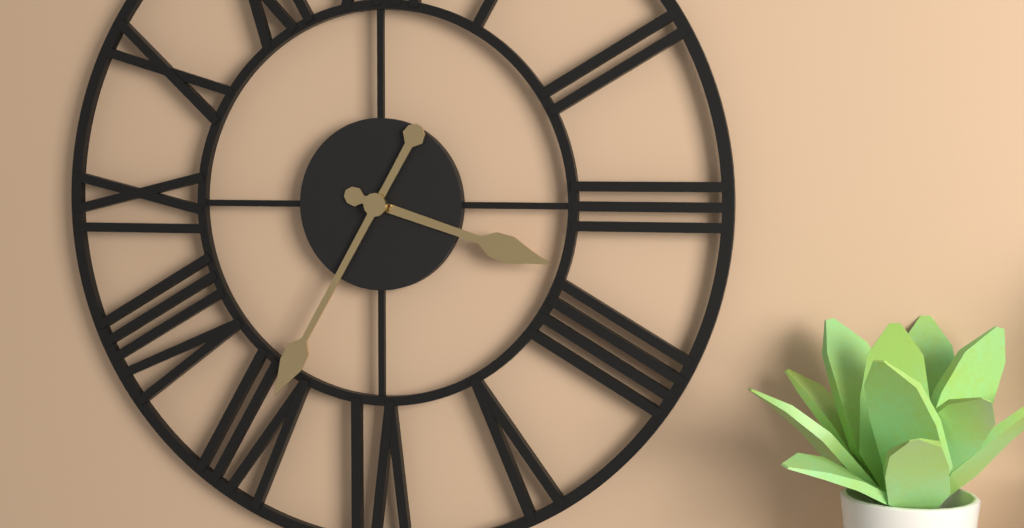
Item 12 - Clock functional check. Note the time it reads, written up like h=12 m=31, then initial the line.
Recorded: h=3 m=35
